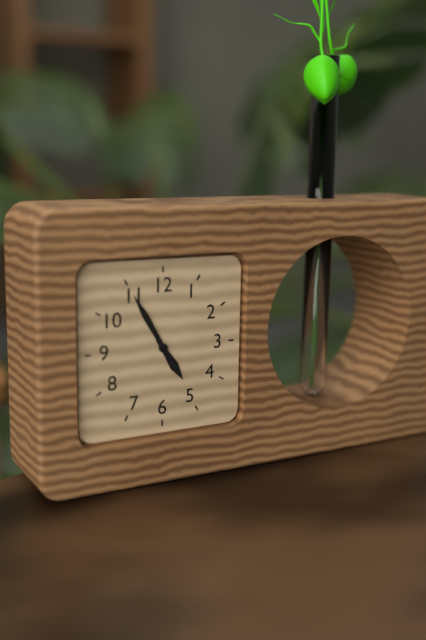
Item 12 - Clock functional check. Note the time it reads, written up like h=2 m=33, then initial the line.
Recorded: h=4 m=55
